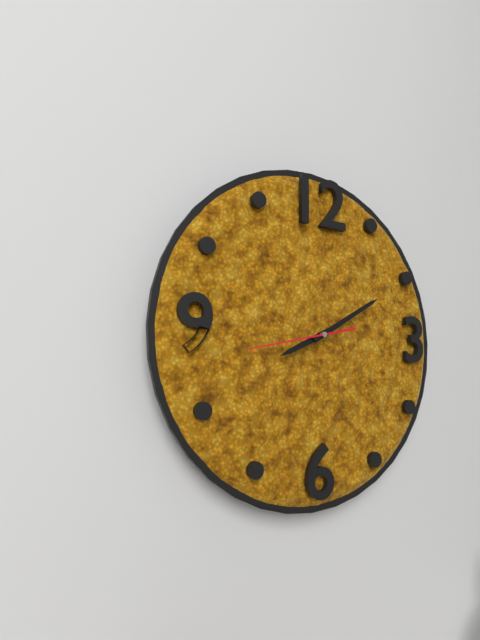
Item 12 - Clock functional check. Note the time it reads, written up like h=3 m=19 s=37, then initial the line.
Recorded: h=8 m=10 s=43
